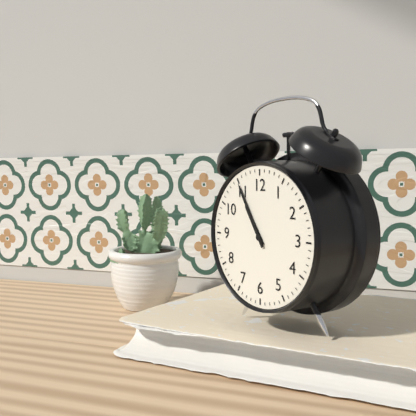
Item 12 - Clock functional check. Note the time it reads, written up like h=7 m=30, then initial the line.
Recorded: h=10 m=55
